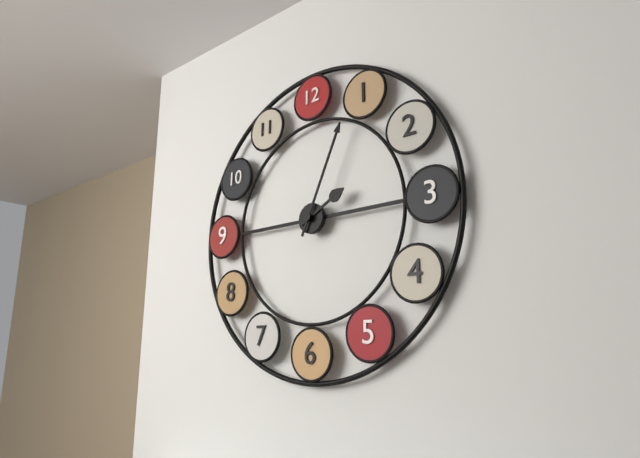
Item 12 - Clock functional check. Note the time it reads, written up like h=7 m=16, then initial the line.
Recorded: h=2 m=4
